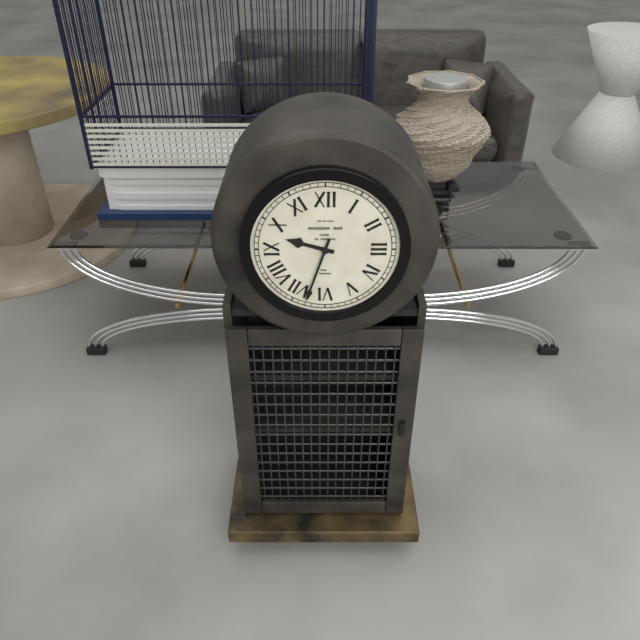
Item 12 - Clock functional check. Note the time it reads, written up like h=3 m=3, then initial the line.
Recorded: h=9 m=33
